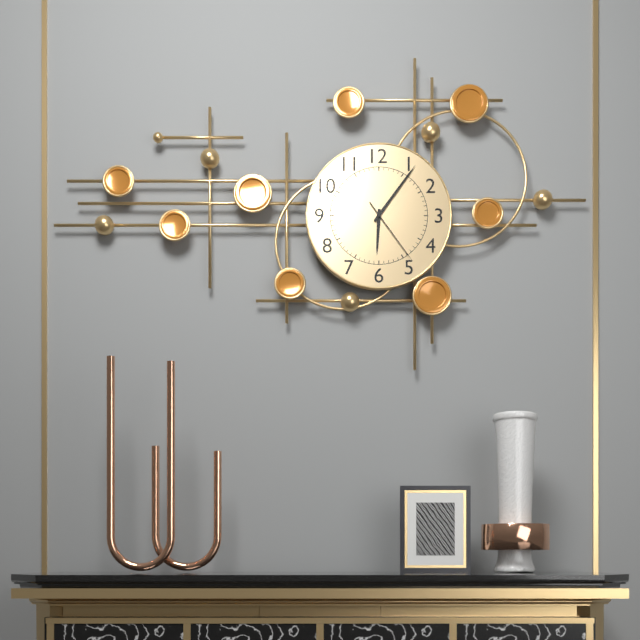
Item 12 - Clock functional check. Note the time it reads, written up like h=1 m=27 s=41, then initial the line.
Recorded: h=6 m=6 s=24
